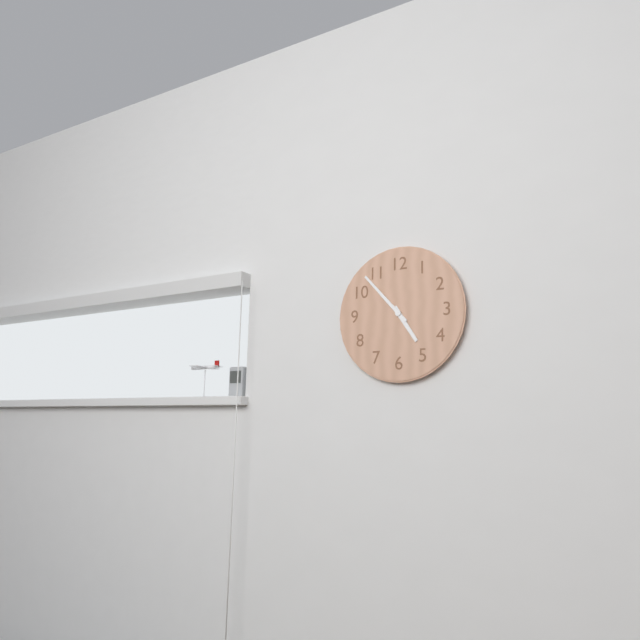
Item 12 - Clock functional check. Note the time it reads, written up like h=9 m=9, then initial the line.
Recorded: h=4 m=53
